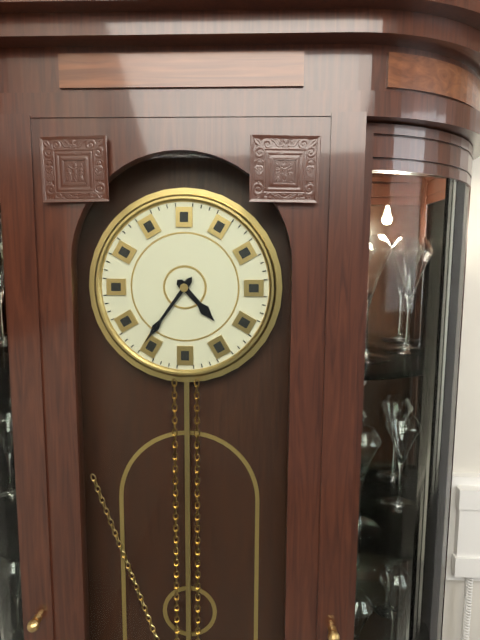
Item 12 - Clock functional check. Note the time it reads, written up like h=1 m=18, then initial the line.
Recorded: h=4 m=36
